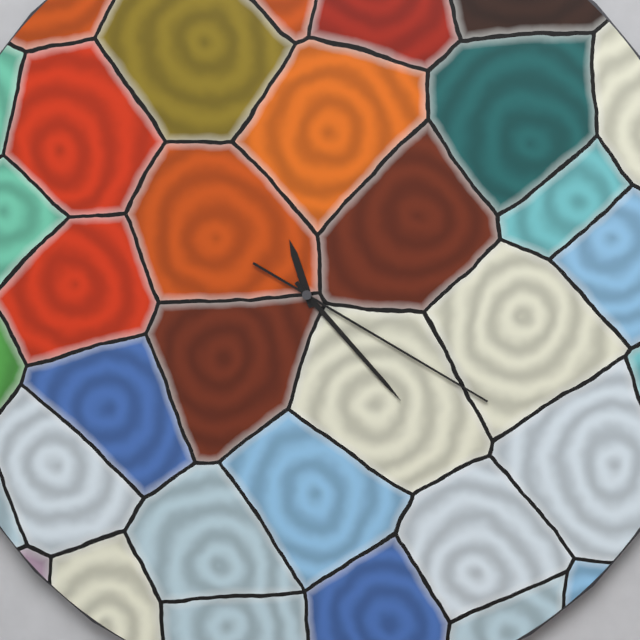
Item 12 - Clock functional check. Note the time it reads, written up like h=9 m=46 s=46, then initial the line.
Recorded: h=11 m=23 s=20
